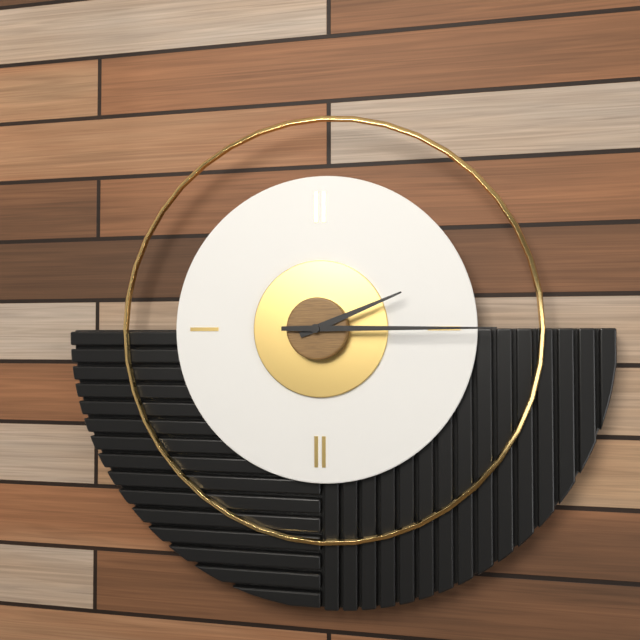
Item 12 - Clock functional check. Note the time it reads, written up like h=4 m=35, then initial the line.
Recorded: h=2 m=15
